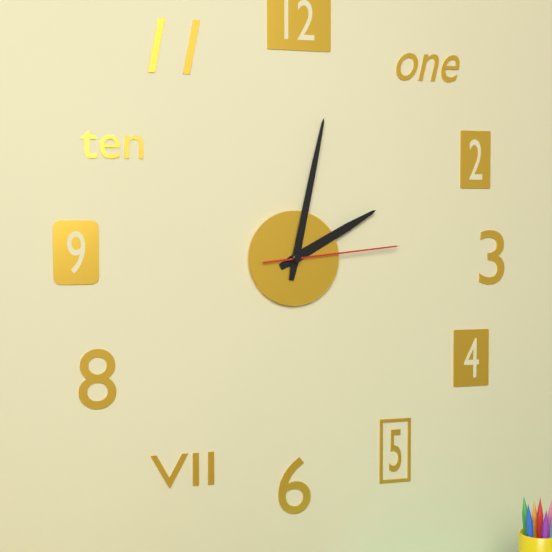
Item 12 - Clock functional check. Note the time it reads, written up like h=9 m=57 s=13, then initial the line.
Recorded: h=2 m=2 s=14
